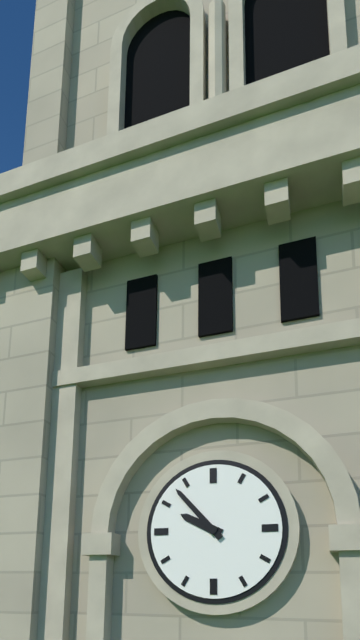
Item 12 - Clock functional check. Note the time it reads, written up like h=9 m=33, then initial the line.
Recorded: h=9 m=53
